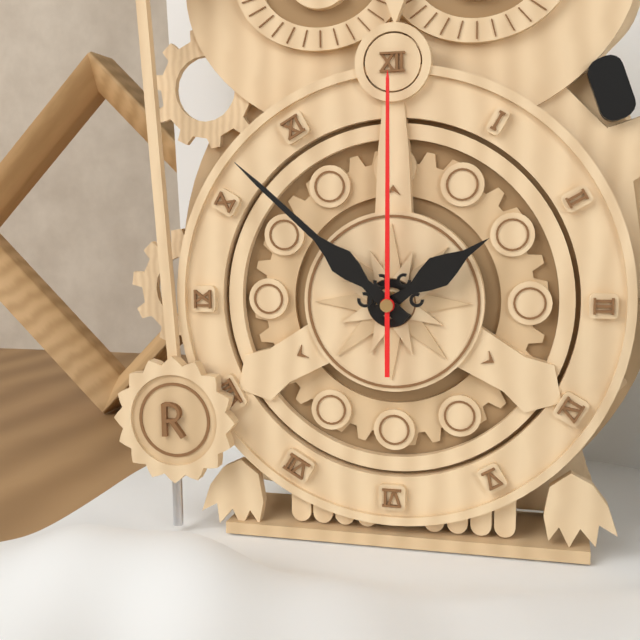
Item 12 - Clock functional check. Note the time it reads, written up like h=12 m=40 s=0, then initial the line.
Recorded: h=1 m=52 s=0
